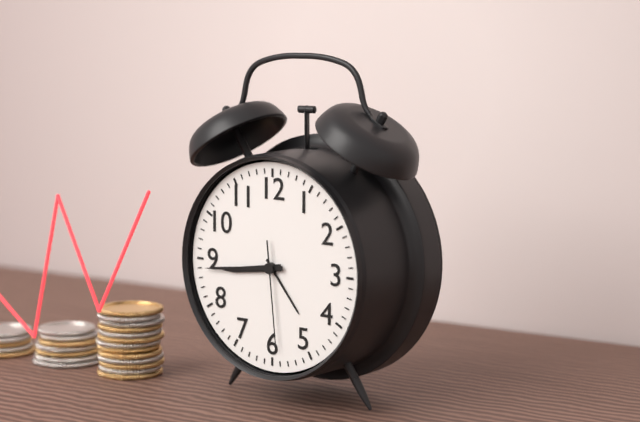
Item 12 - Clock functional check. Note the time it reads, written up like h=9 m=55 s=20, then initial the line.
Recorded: h=8 m=44 s=29
